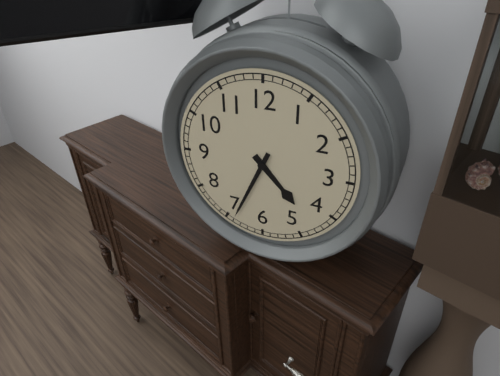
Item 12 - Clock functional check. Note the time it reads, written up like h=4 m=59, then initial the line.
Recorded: h=4 m=34
